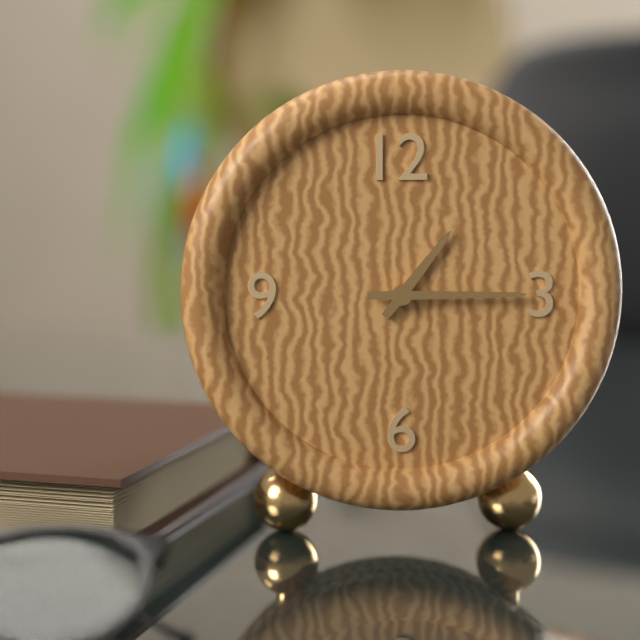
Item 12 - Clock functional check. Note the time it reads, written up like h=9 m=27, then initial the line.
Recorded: h=1 m=15
